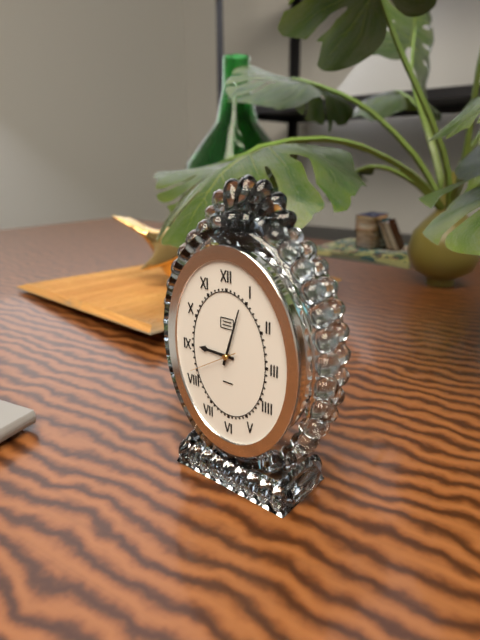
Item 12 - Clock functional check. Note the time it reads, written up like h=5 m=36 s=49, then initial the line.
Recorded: h=9 m=3 s=40
